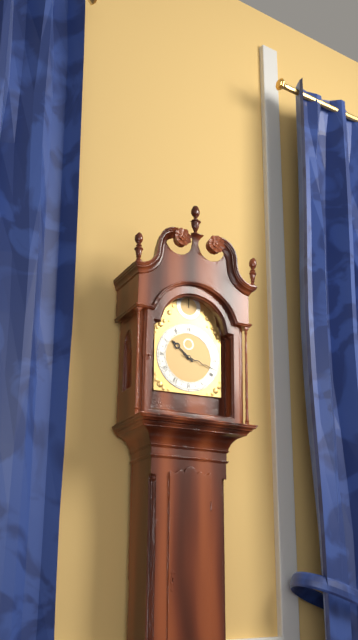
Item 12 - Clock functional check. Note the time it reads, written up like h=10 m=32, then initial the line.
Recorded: h=10 m=18
